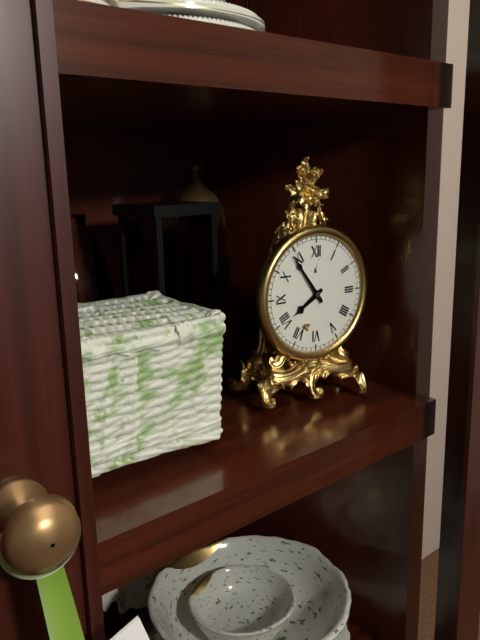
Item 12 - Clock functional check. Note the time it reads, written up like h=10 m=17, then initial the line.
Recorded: h=7 m=54
